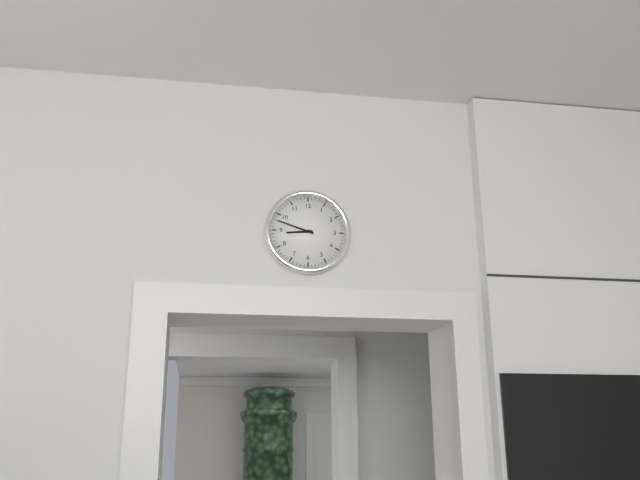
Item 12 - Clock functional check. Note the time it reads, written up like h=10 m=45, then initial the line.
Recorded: h=8 m=48
